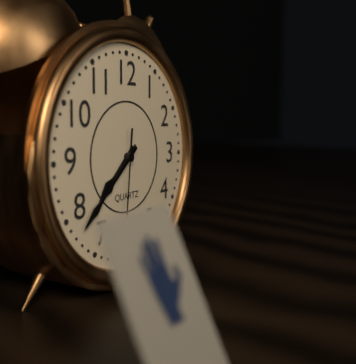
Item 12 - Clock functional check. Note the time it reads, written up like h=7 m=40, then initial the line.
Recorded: h=7 m=38
